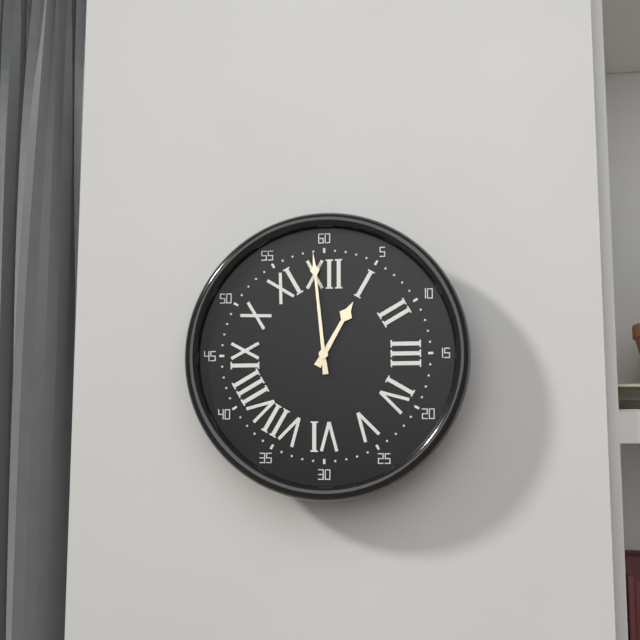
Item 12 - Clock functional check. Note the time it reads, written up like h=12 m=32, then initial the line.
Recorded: h=12 m=59
